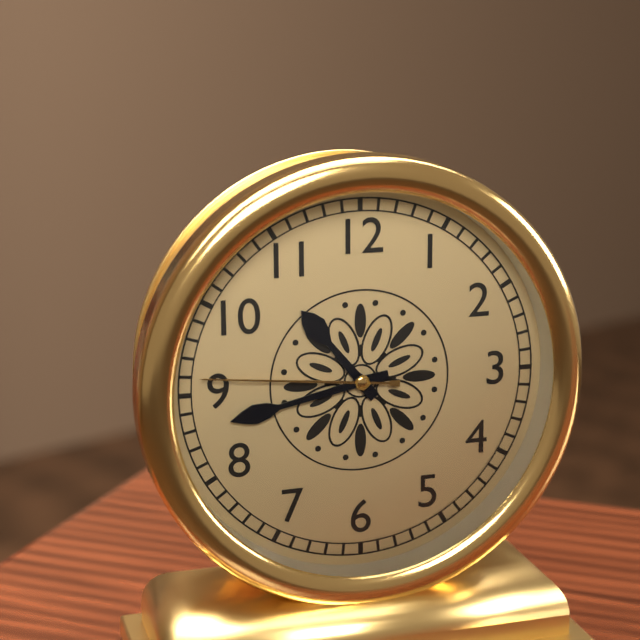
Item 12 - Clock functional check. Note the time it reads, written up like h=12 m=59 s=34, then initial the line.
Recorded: h=10 m=43 s=46
